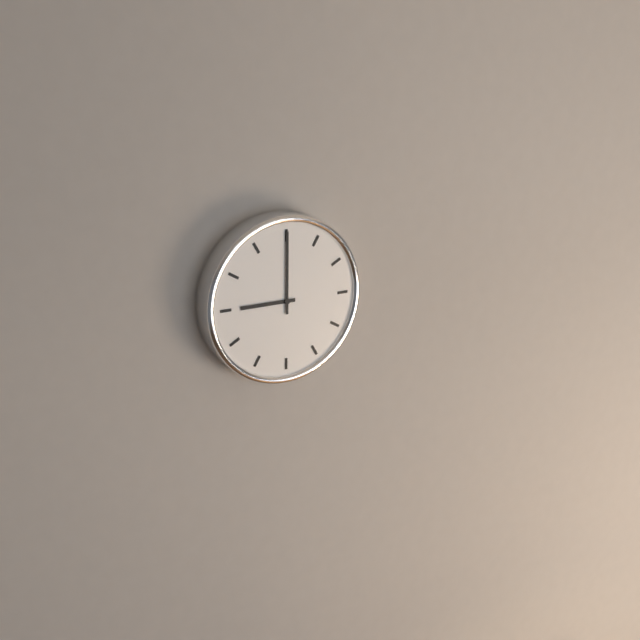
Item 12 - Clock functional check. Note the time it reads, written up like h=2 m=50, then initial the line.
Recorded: h=9 m=0
